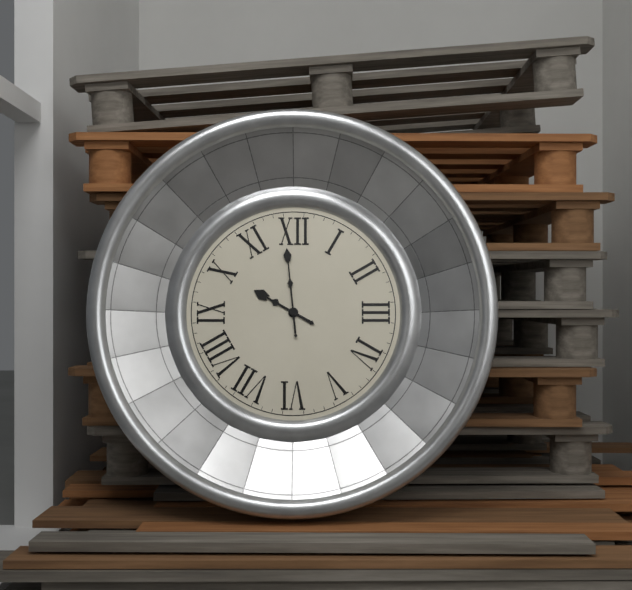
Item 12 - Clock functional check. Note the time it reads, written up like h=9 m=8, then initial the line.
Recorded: h=9 m=59
